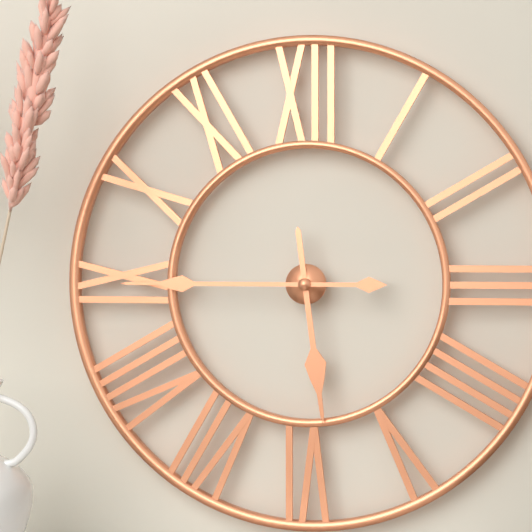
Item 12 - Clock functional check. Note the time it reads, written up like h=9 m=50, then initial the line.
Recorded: h=5 m=45
